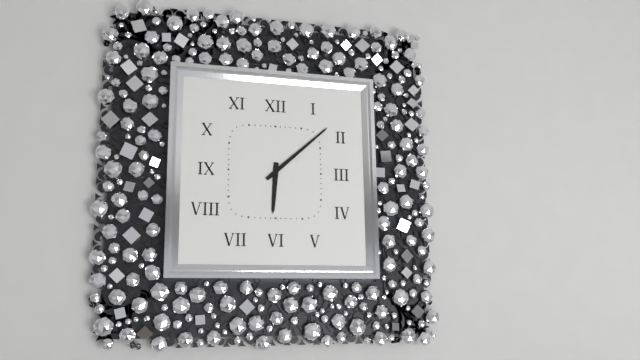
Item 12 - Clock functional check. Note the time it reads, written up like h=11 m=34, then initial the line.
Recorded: h=6 m=8
